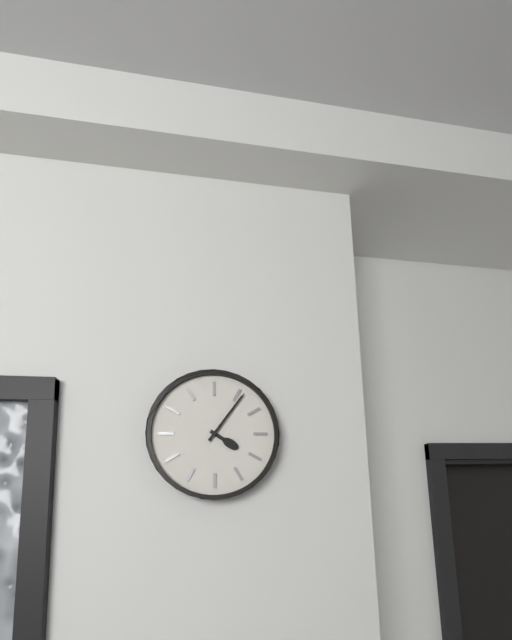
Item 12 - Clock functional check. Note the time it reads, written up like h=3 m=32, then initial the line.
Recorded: h=4 m=6
